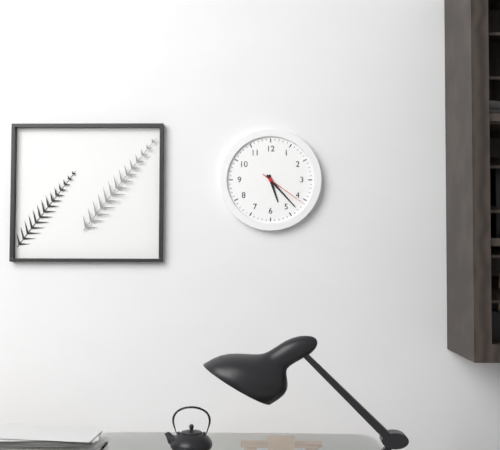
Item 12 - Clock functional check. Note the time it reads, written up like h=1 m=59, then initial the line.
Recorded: h=5 m=23
